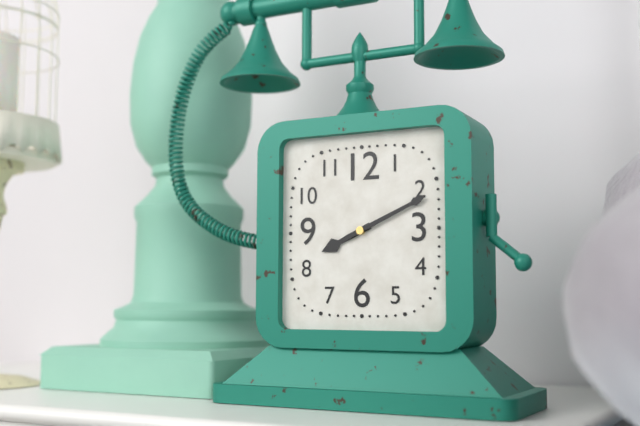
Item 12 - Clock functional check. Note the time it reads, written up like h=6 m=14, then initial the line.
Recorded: h=8 m=11
